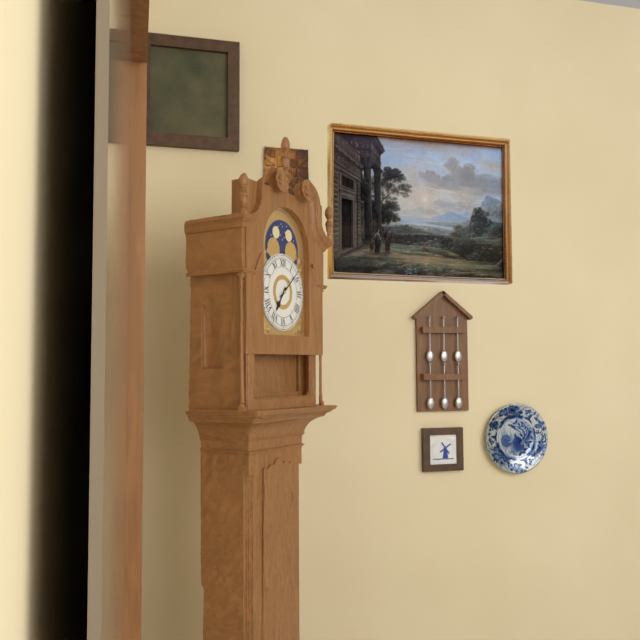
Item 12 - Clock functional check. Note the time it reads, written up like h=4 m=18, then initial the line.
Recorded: h=7 m=8
